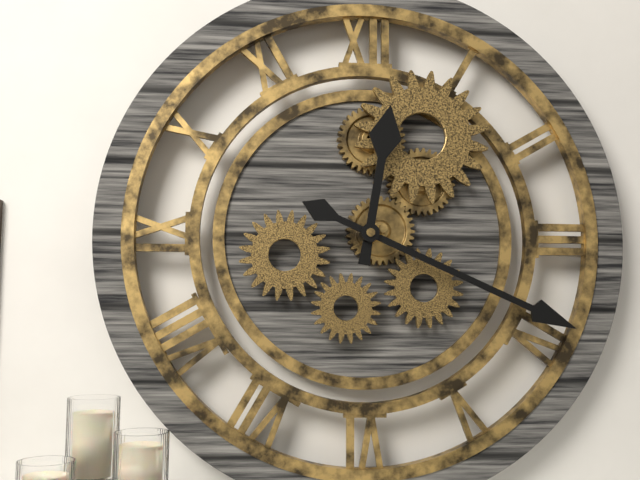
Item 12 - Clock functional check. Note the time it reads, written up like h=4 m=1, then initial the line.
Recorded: h=12 m=19
